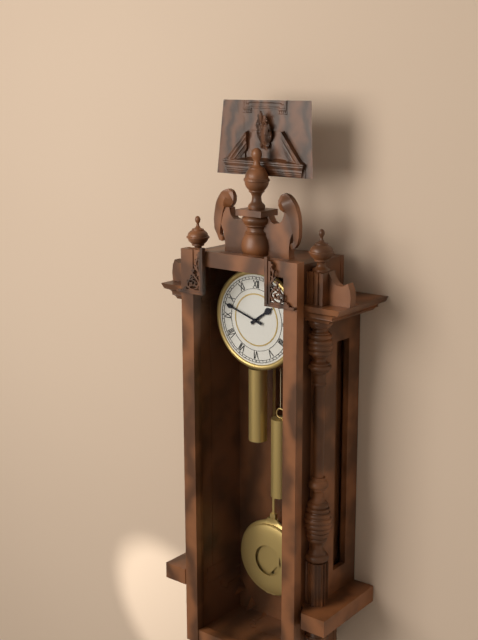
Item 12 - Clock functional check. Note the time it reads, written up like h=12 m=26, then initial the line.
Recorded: h=1 m=48
